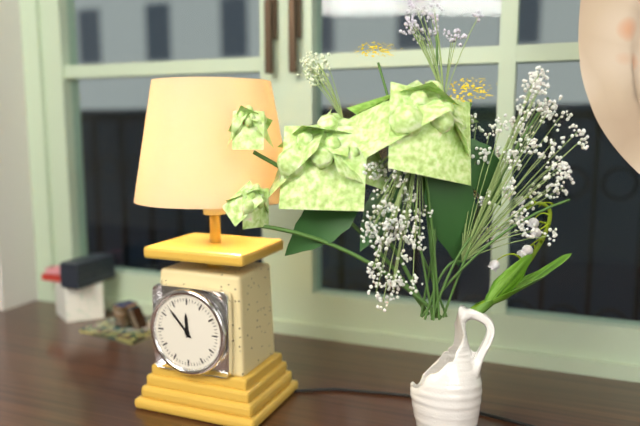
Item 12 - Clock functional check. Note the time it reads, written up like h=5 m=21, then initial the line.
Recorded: h=11 m=53
